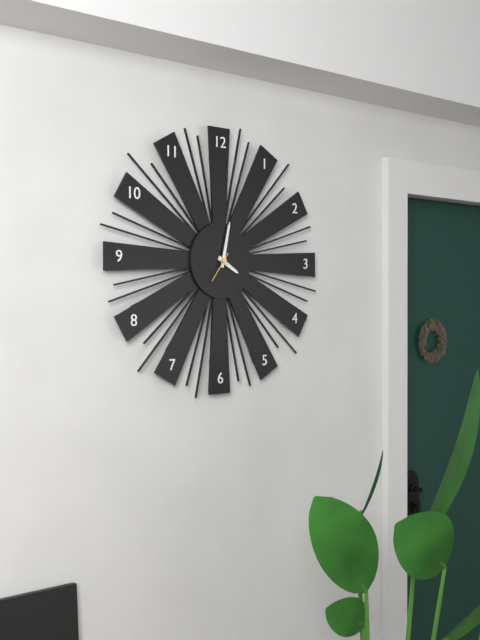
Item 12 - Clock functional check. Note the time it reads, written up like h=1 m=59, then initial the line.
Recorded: h=4 m=2
